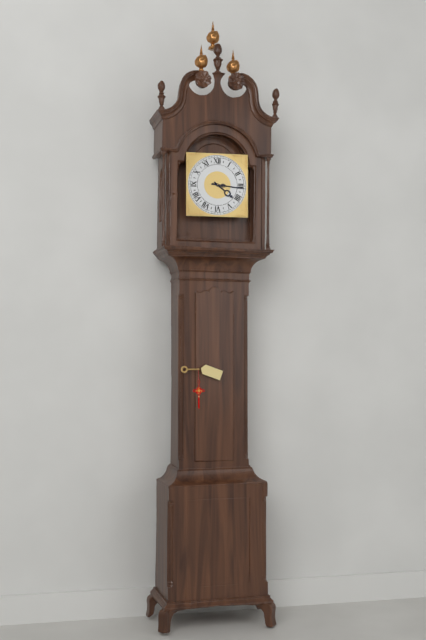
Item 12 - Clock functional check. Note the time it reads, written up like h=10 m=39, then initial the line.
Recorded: h=4 m=16
